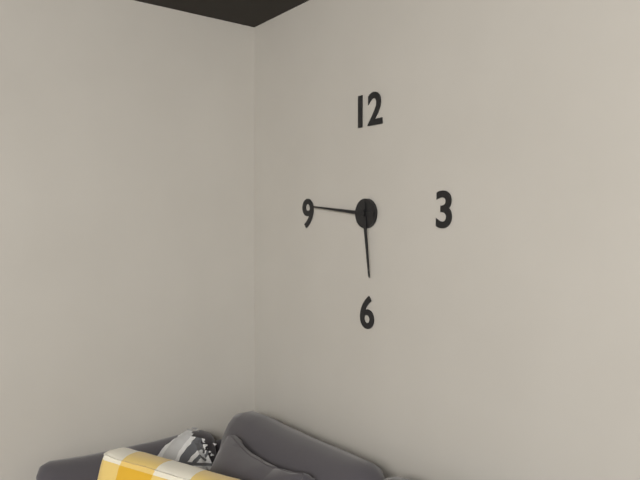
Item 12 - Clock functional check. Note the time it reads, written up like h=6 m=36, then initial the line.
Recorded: h=5 m=46
